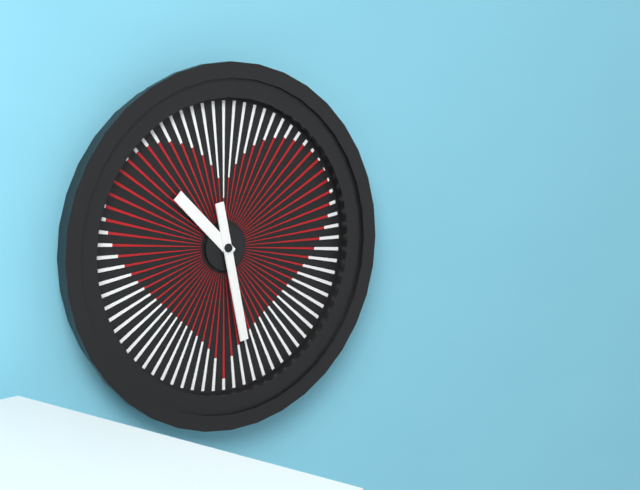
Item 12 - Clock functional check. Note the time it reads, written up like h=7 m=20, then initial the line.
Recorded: h=10 m=28
